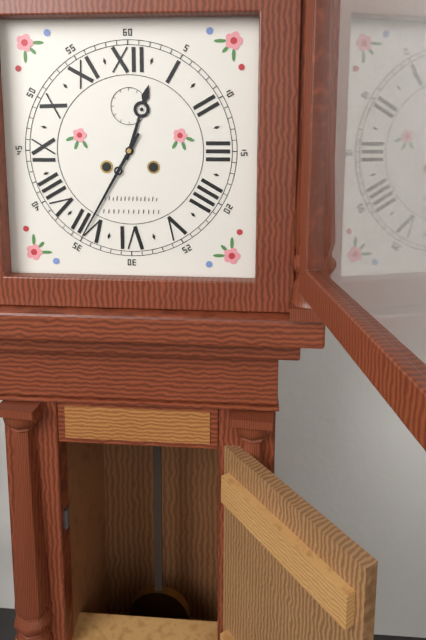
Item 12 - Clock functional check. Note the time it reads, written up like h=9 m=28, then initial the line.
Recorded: h=12 m=35
